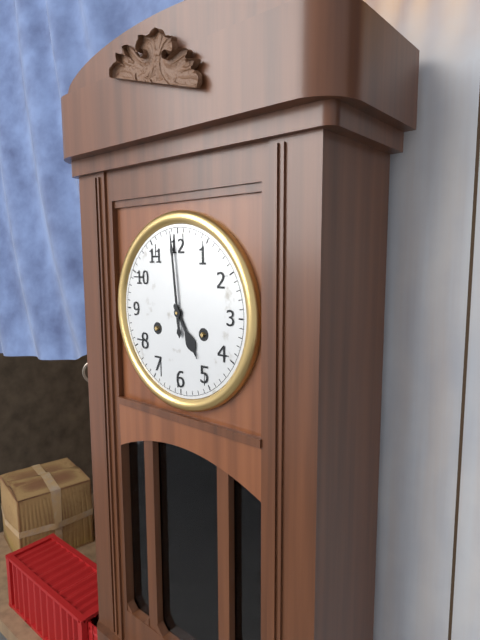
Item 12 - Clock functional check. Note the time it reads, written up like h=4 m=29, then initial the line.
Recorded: h=4 m=59
